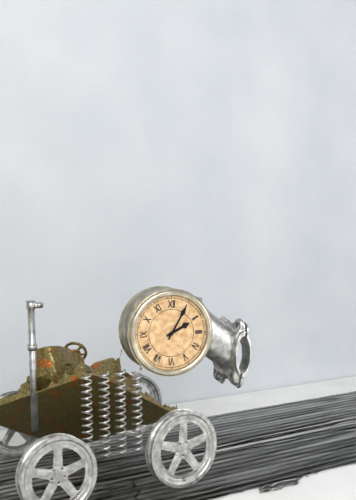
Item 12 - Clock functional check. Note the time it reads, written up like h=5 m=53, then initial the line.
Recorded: h=2 m=5
